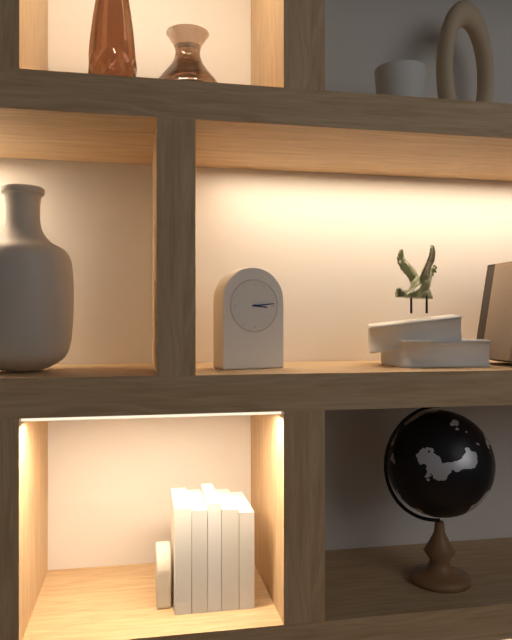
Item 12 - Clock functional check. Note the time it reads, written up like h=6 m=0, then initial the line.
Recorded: h=3 m=14
